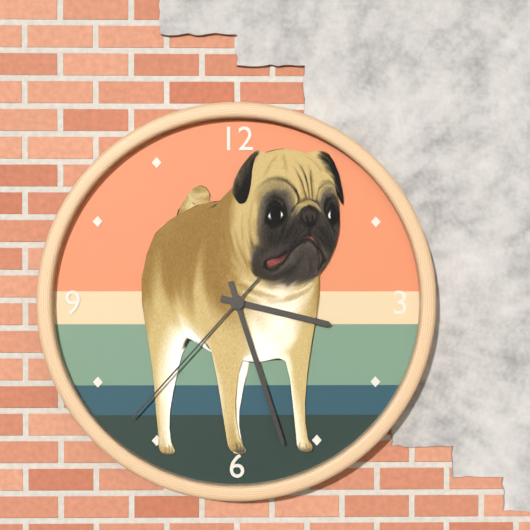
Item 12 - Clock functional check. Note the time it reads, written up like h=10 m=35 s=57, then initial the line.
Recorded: h=3 m=27 s=37
